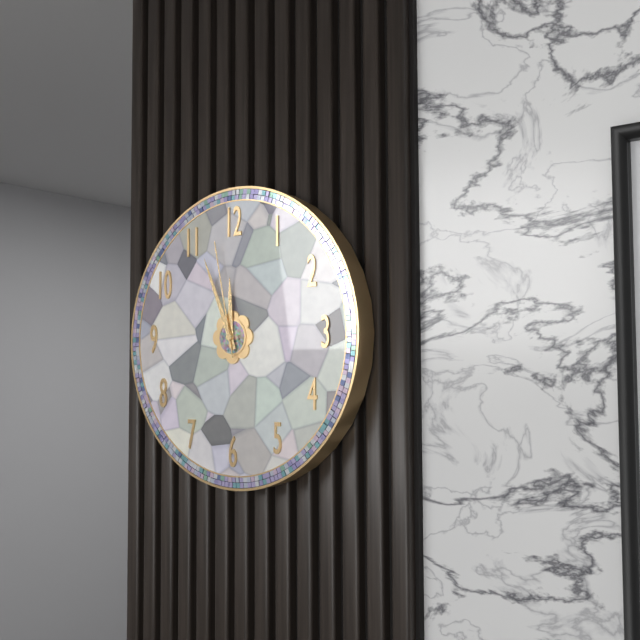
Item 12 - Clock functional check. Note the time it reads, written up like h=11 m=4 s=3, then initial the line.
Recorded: h=11 m=56 s=58
